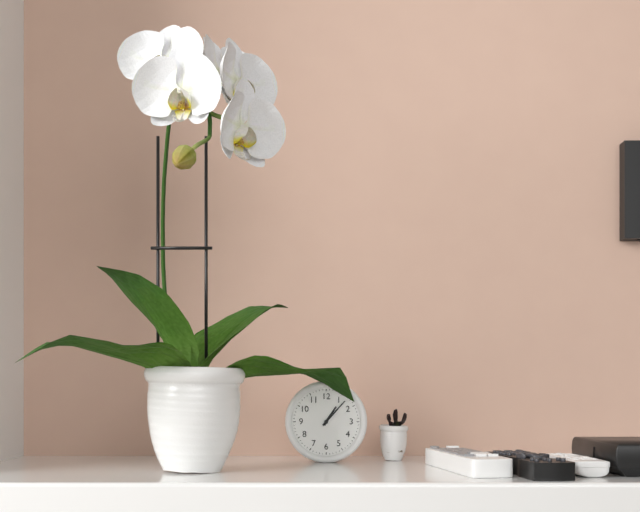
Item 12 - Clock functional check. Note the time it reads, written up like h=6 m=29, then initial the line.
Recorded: h=1 m=7
